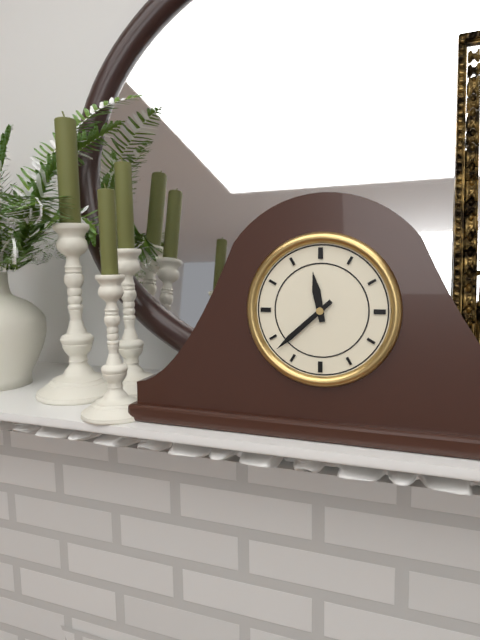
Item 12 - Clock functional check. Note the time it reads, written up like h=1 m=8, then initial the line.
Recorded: h=11 m=38
